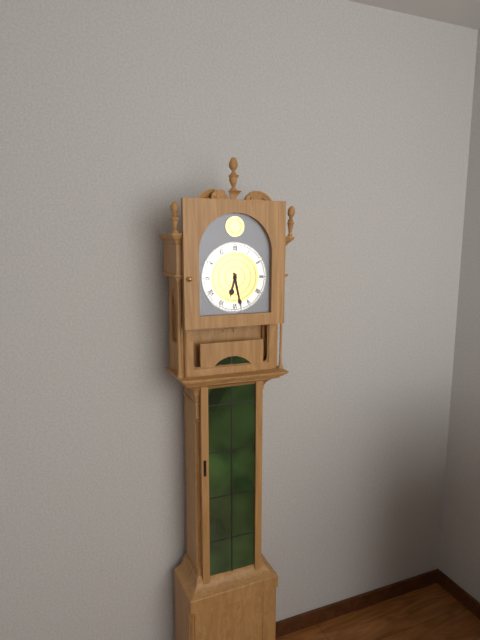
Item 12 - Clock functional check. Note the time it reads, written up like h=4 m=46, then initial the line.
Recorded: h=6 m=28
